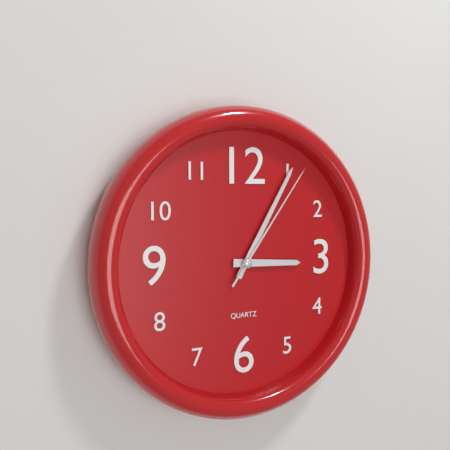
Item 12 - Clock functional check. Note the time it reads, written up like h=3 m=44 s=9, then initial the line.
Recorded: h=3 m=5 s=6
